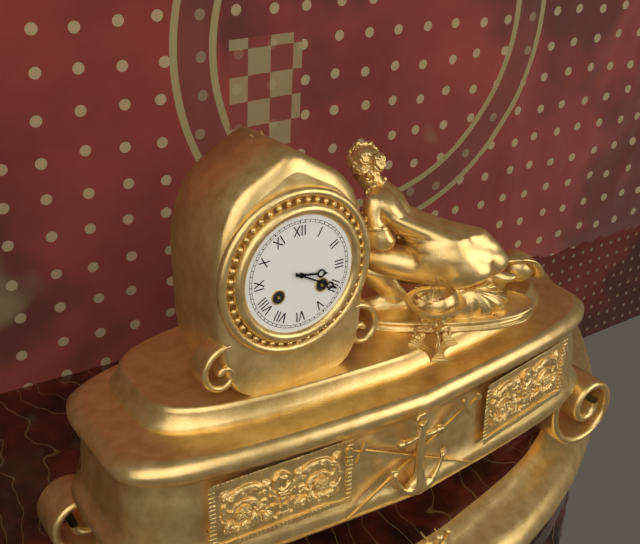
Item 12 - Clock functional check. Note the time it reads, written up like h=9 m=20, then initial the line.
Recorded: h=3 m=20
